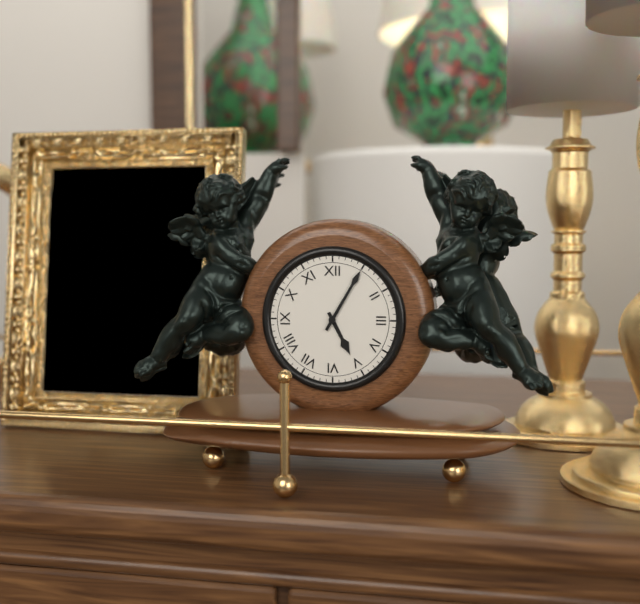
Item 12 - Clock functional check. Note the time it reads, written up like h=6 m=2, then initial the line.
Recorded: h=5 m=5
